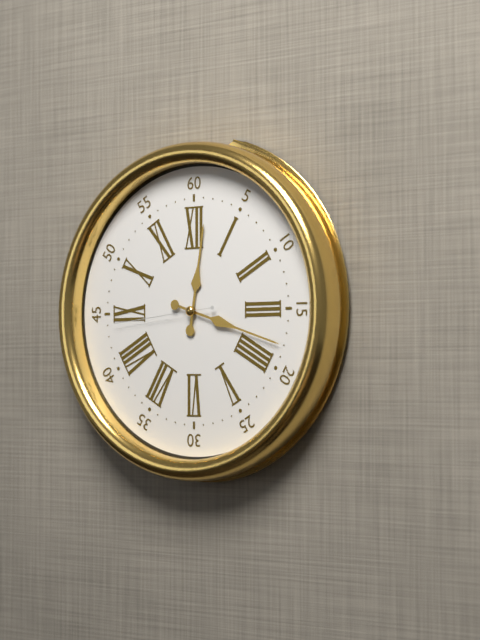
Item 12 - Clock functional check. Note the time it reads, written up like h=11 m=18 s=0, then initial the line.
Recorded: h=12 m=18 s=44
